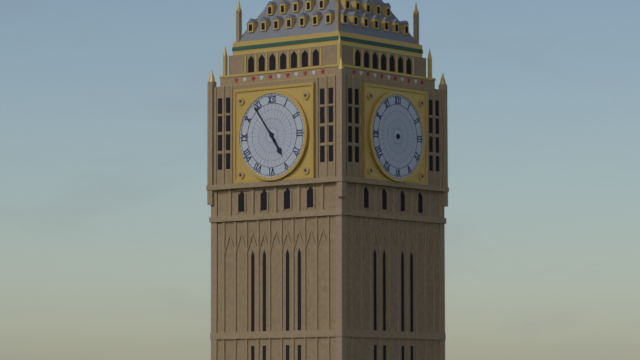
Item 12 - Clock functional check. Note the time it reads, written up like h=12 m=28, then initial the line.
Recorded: h=4 m=54
